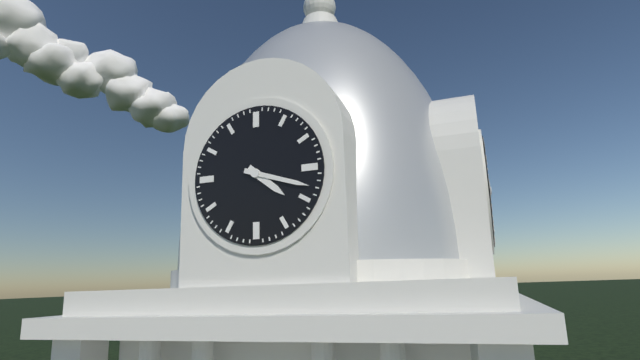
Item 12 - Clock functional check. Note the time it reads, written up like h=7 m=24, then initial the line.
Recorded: h=4 m=18
